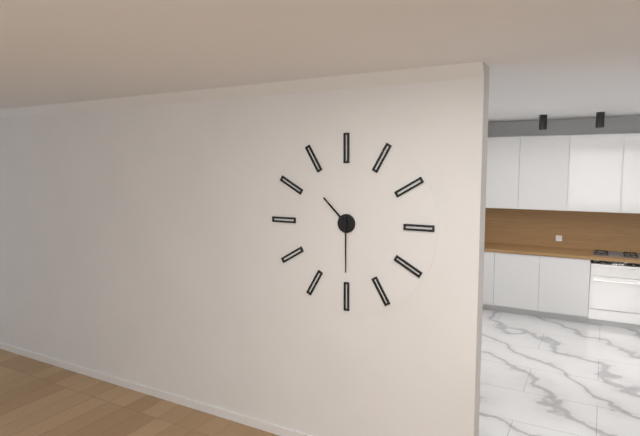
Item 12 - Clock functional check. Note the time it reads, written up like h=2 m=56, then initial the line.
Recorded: h=10 m=30
